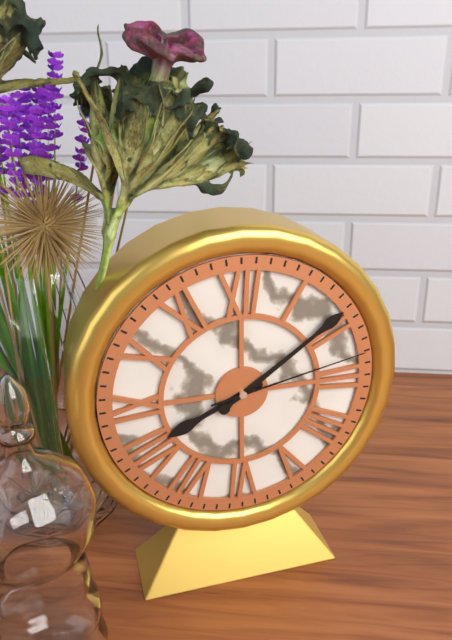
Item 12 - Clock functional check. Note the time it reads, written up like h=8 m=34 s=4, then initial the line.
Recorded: h=8 m=9 s=13
